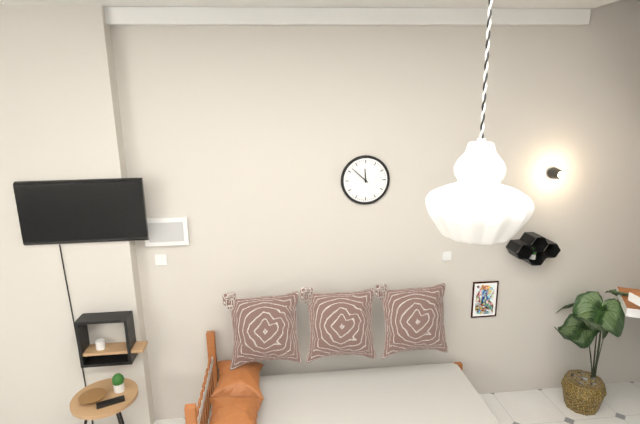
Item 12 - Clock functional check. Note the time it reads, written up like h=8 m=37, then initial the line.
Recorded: h=11 m=52
